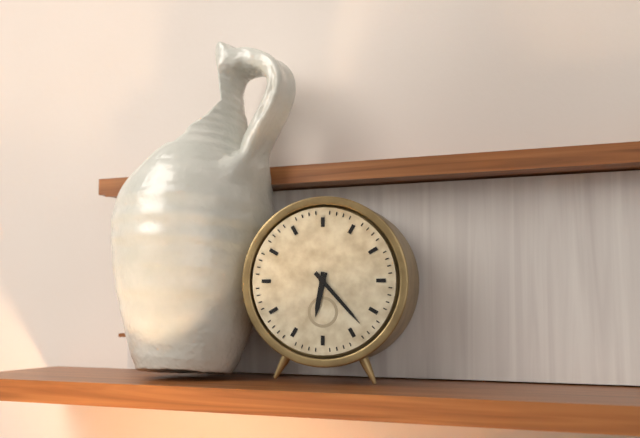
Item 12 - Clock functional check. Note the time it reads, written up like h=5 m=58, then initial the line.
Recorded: h=6 m=23
